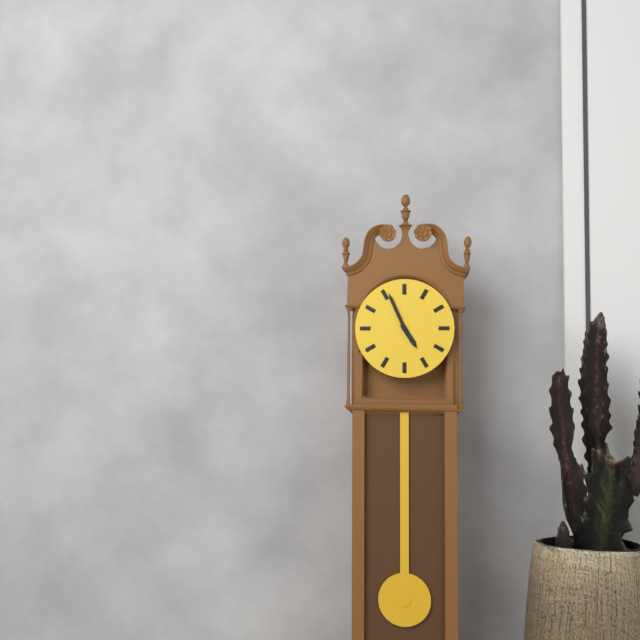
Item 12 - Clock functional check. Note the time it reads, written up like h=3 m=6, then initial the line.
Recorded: h=4 m=56
